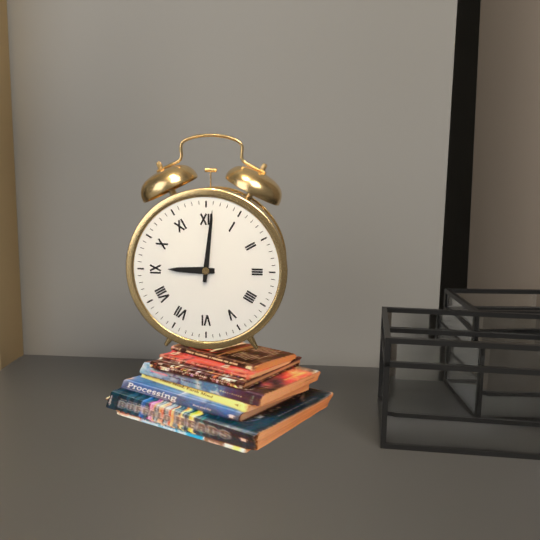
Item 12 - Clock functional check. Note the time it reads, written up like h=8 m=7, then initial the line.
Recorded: h=9 m=1
